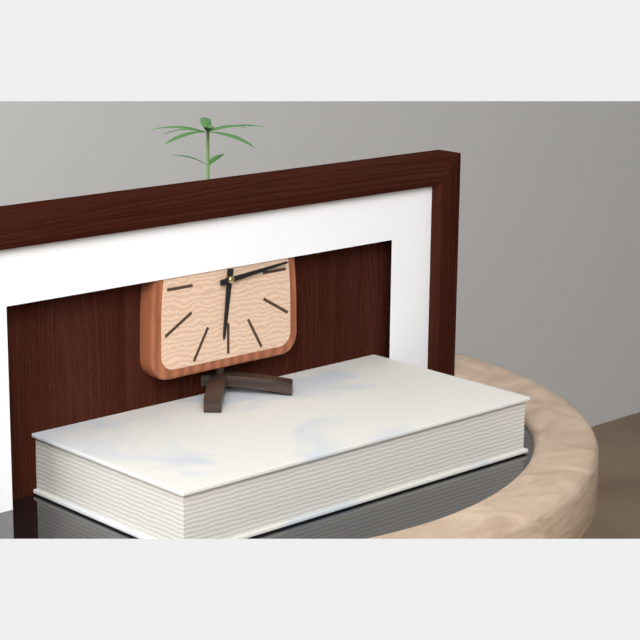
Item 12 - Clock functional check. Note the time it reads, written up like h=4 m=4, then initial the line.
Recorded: h=6 m=14
